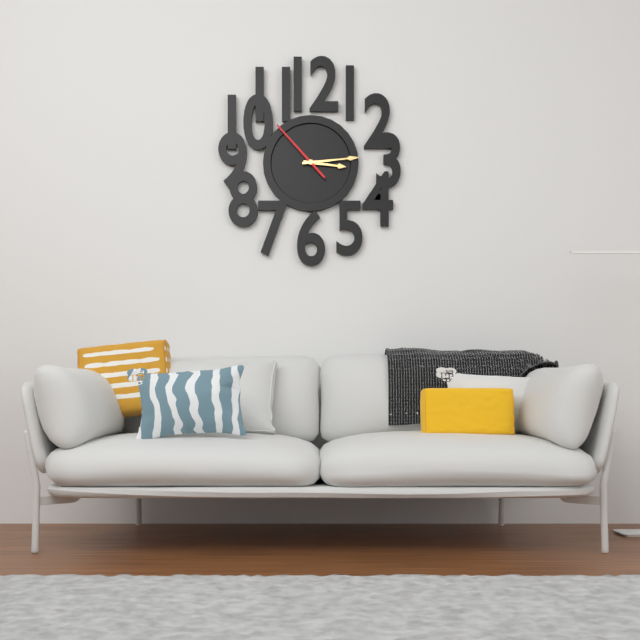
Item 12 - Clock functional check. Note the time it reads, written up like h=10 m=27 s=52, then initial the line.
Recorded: h=3 m=14 s=53
